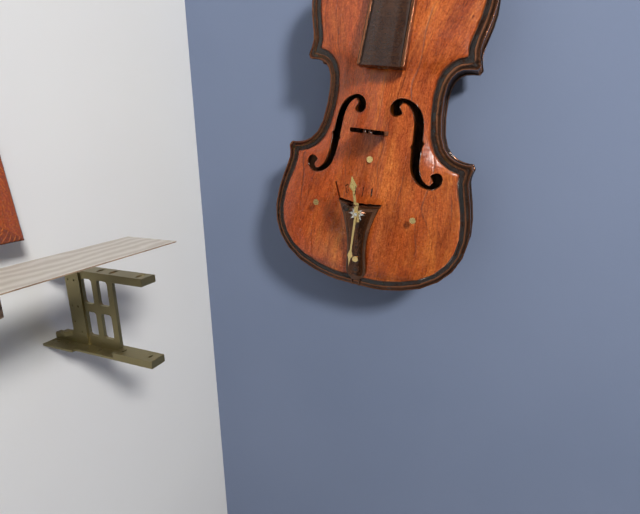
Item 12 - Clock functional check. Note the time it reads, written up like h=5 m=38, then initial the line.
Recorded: h=11 m=30
